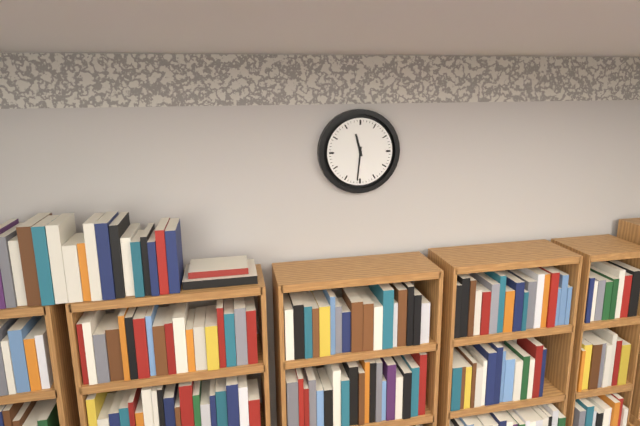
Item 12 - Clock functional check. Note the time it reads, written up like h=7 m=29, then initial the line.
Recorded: h=11 m=31
